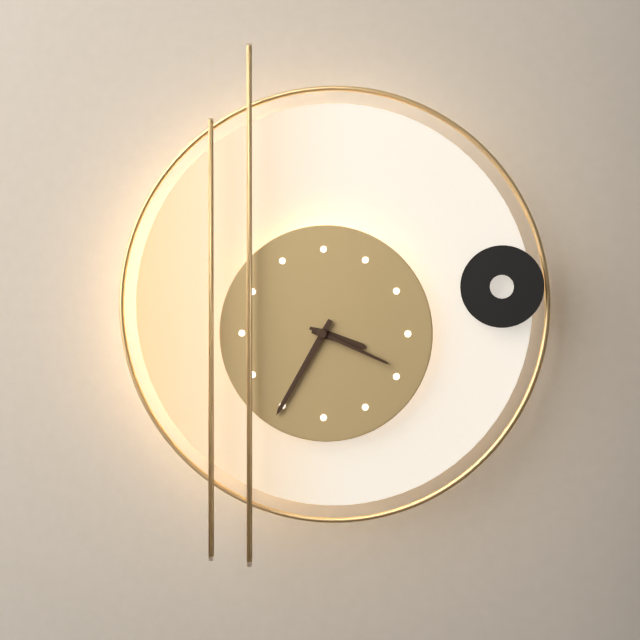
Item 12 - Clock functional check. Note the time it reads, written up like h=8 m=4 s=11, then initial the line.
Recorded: h=3 m=35 s=19
